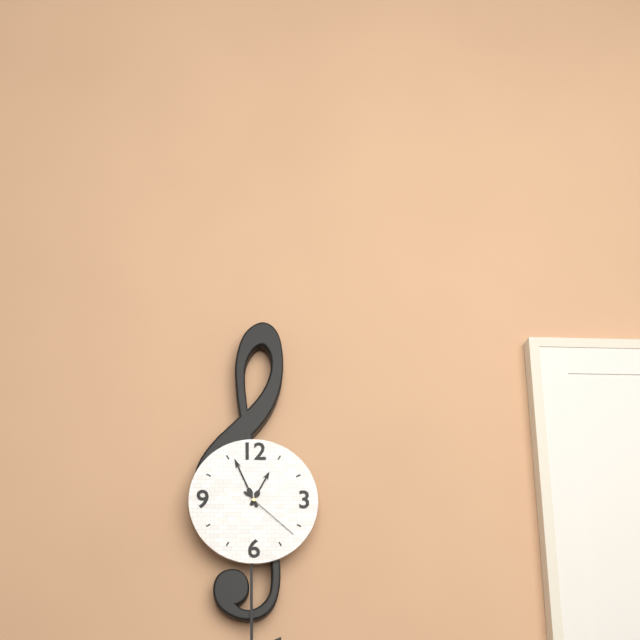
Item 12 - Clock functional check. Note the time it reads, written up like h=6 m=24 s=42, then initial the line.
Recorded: h=12 m=56 s=22
